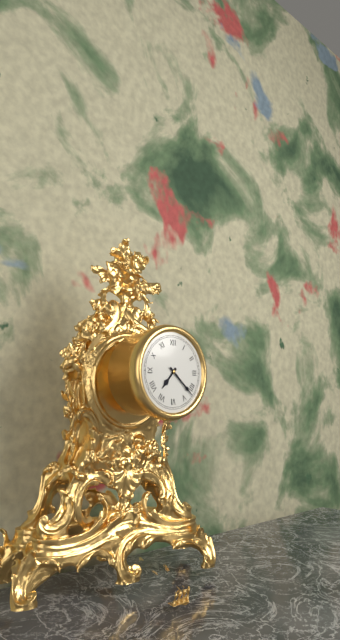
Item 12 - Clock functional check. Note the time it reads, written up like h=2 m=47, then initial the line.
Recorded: h=7 m=22
